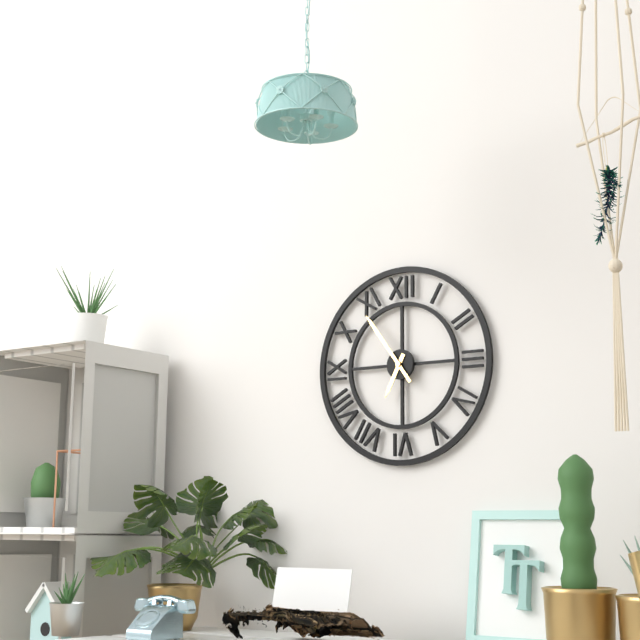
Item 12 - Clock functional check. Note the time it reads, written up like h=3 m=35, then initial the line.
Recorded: h=6 m=54
